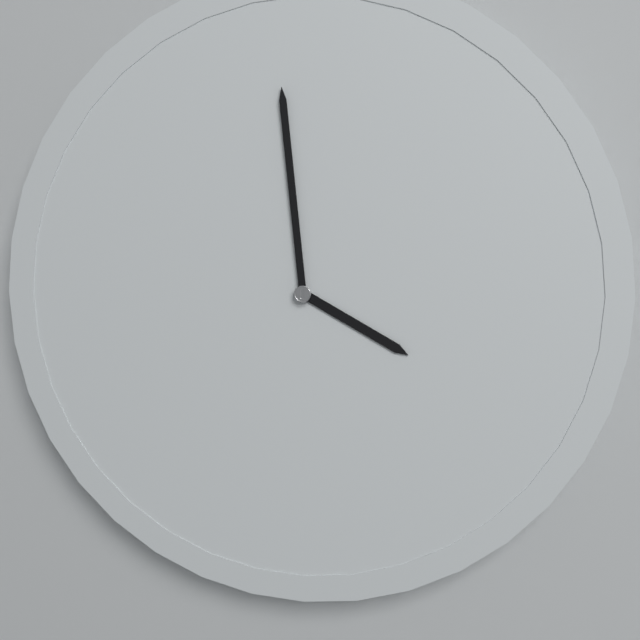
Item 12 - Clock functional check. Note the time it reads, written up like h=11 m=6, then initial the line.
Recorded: h=3 m=59
